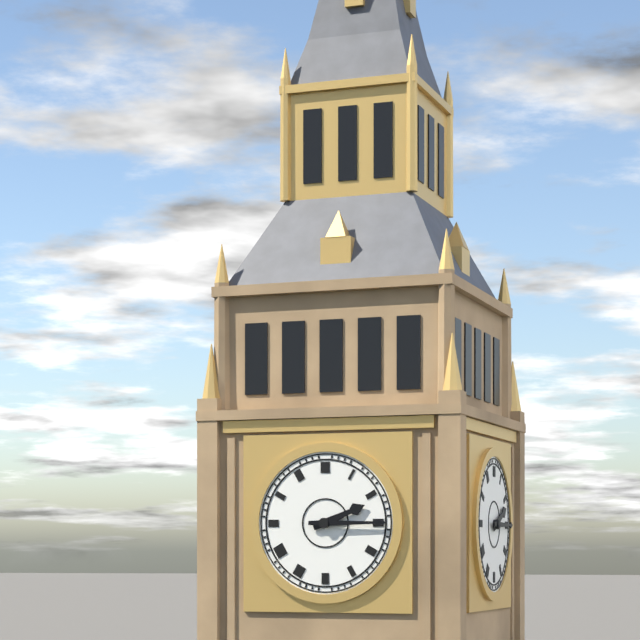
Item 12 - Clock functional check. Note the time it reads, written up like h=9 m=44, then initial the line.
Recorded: h=2 m=15
